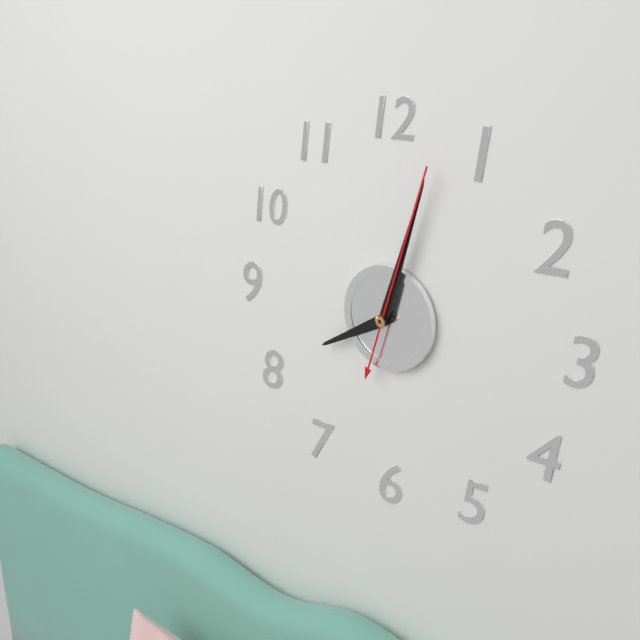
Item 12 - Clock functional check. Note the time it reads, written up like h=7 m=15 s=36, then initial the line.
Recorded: h=8 m=3 s=3
